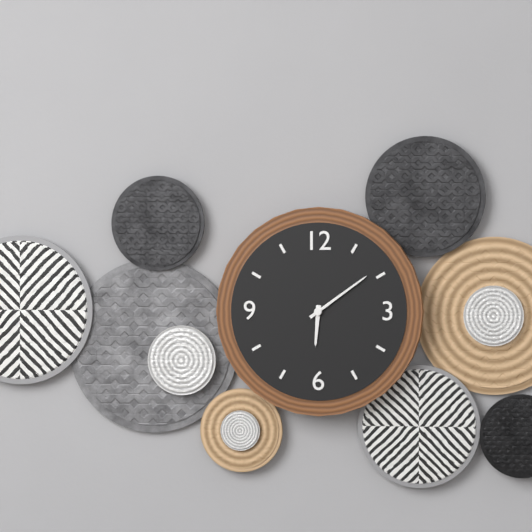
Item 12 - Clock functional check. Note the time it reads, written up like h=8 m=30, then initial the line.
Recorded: h=6 m=9
